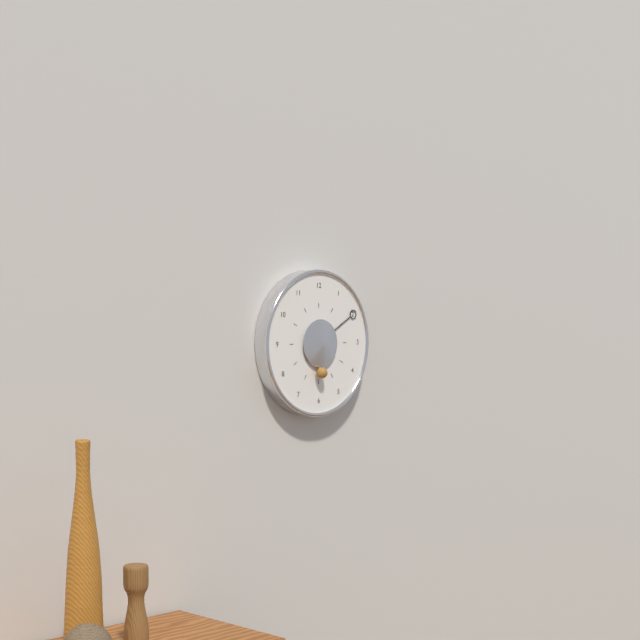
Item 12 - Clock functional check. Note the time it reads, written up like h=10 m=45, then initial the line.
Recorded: h=6 m=10
